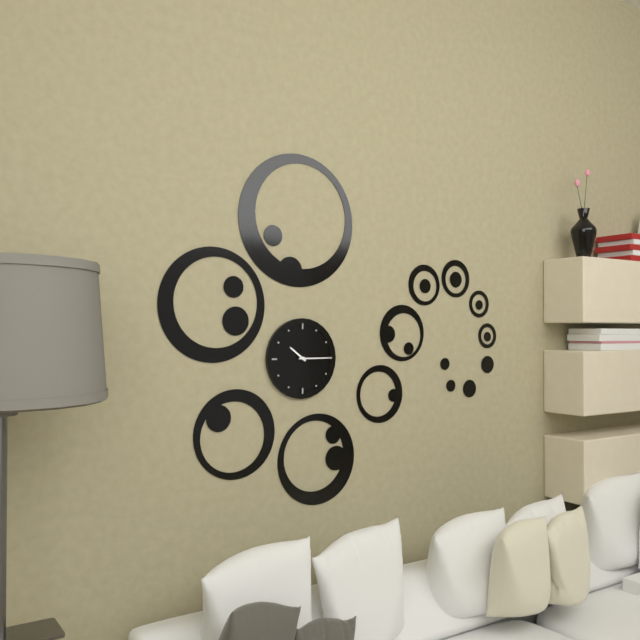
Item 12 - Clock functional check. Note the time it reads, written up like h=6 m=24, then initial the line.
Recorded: h=10 m=15
